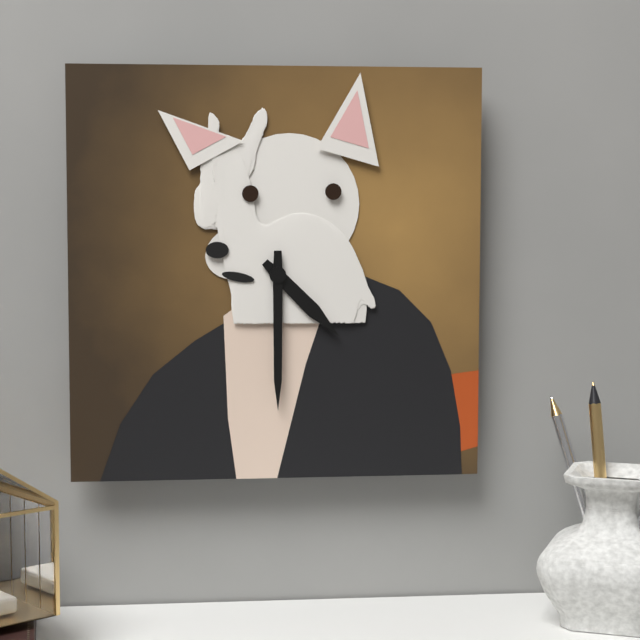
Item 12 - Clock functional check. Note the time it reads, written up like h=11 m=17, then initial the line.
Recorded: h=4 m=30
